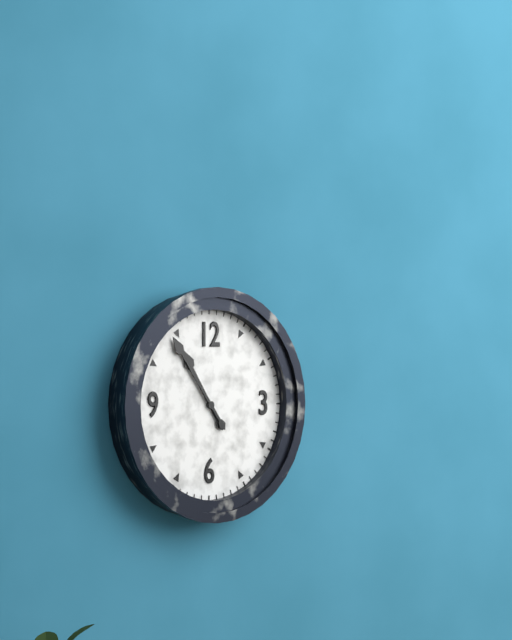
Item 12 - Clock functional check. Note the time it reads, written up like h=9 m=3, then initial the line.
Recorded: h=10 m=54
